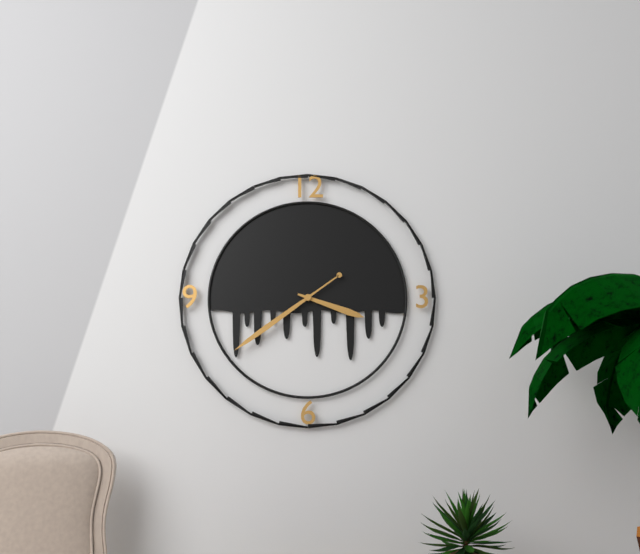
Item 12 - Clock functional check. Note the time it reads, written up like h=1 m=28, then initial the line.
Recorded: h=3 m=39
